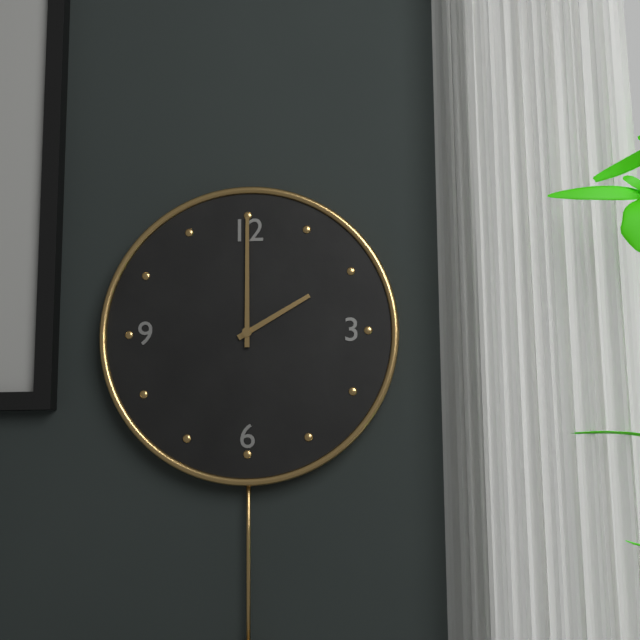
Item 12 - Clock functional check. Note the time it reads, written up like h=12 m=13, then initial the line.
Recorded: h=2 m=0
